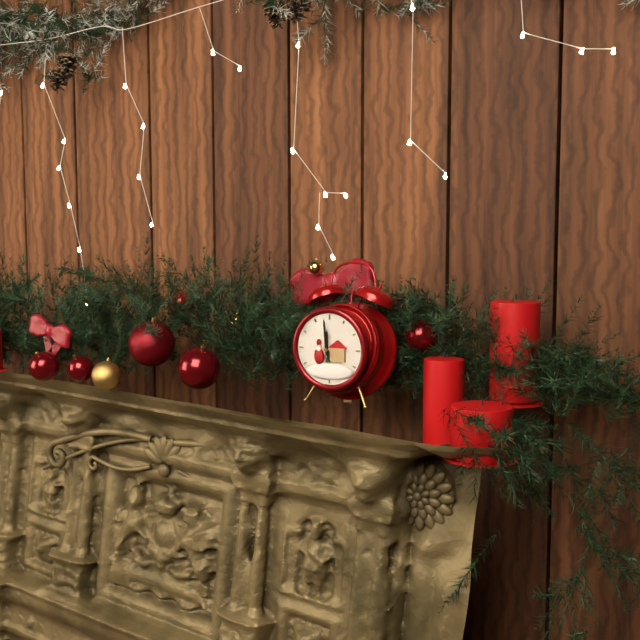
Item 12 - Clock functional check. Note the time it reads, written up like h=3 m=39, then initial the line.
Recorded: h=11 m=59
